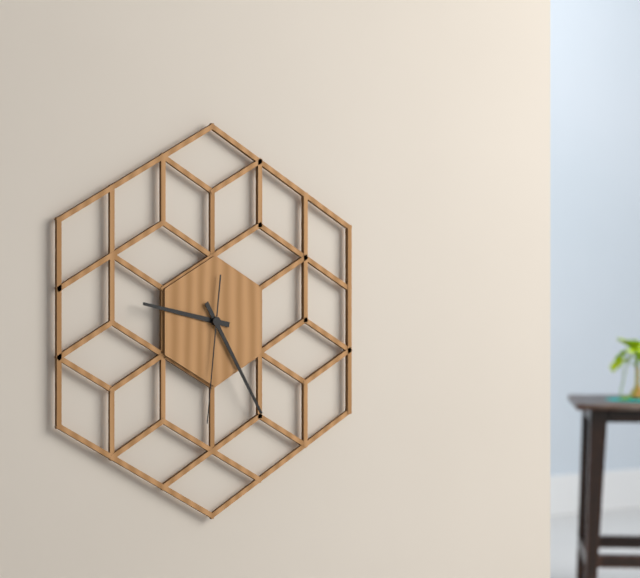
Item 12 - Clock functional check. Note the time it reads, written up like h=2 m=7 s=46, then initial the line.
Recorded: h=9 m=25 s=31
